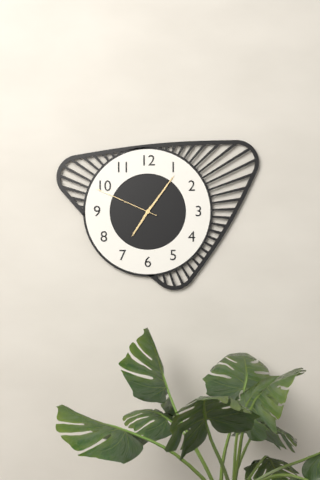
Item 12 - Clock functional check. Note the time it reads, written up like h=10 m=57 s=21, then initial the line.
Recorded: h=7 m=6 s=49
